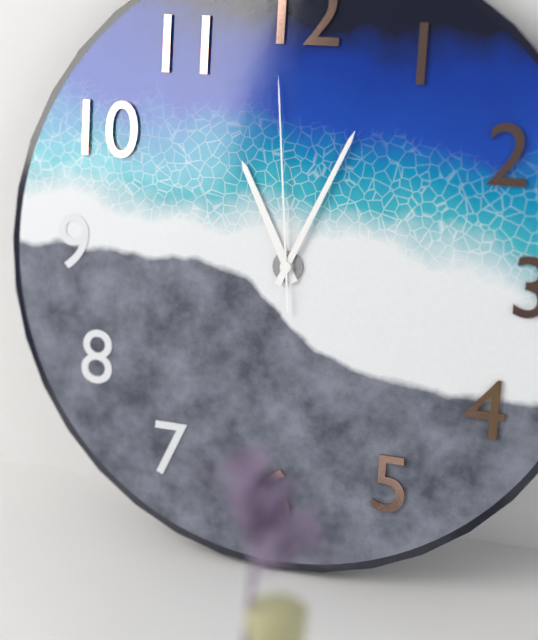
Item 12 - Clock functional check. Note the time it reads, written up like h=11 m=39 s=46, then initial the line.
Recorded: h=11 m=4 s=59
